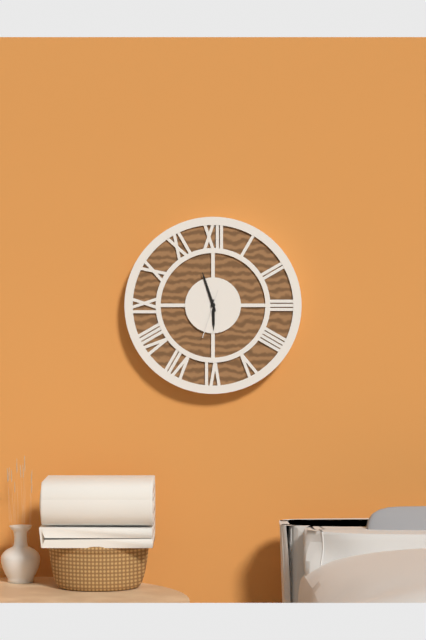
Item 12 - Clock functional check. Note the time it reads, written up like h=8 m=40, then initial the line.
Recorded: h=5 m=57
